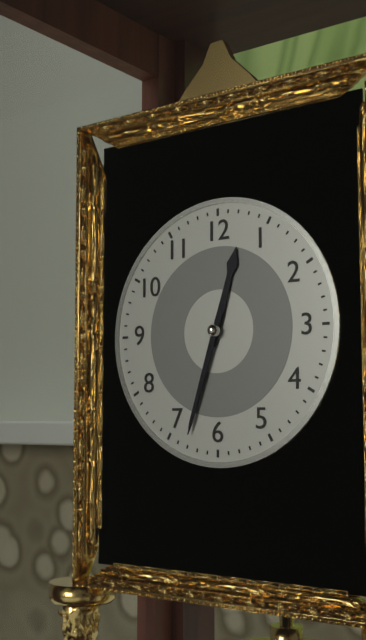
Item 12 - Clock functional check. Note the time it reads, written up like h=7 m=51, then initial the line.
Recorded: h=12 m=33
